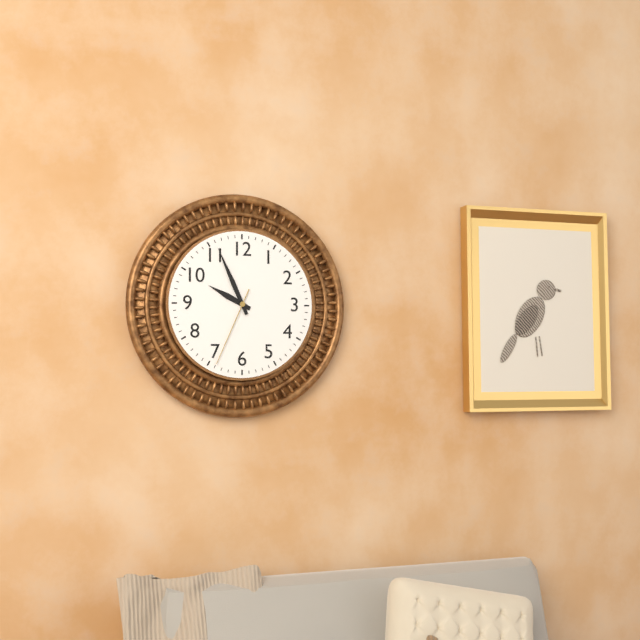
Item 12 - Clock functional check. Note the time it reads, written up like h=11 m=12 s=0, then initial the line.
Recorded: h=9 m=56 s=34
